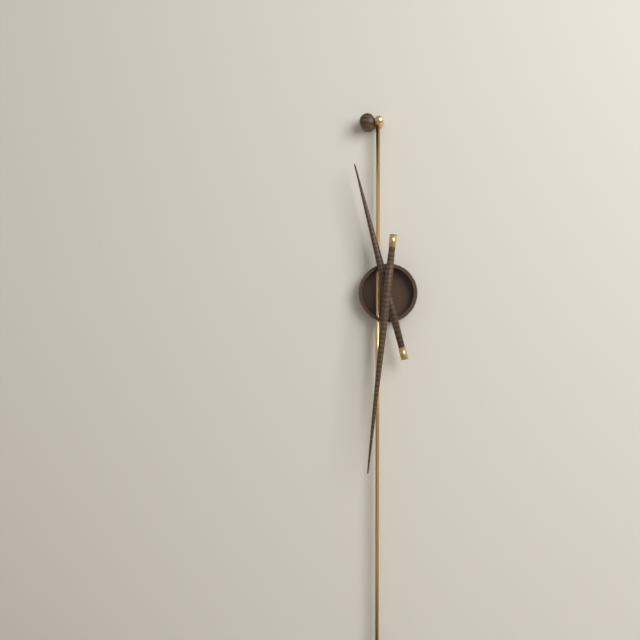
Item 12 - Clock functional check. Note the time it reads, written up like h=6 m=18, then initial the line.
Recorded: h=11 m=31
